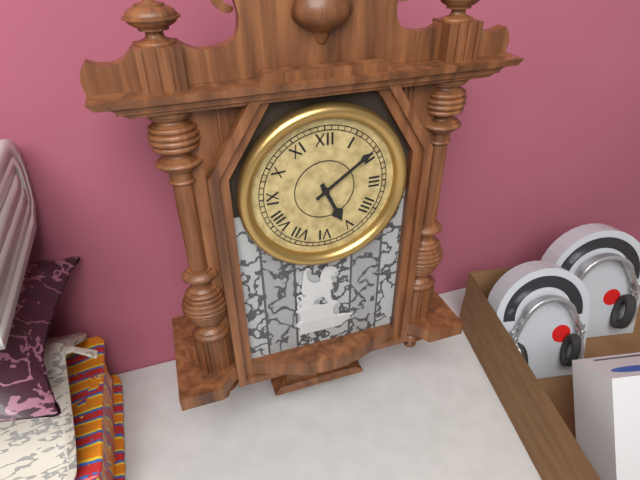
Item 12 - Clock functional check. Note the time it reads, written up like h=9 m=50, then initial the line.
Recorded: h=5 m=9
